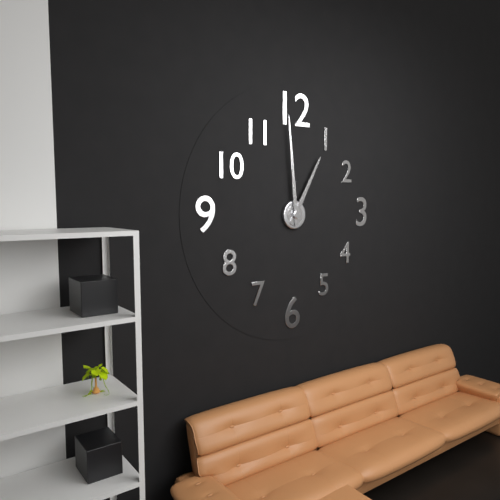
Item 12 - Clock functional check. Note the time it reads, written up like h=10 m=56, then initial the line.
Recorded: h=12 m=59
